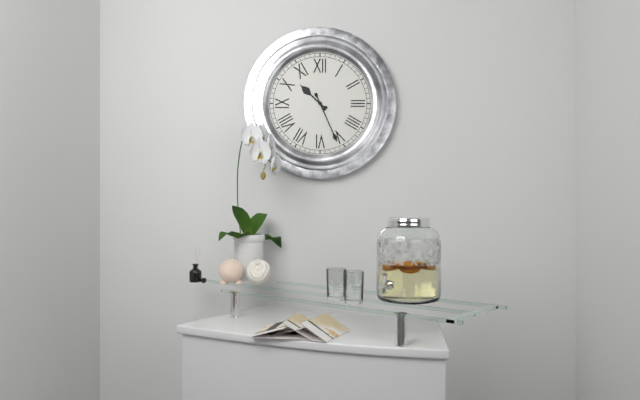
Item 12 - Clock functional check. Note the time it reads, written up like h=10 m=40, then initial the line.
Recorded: h=10 m=26
